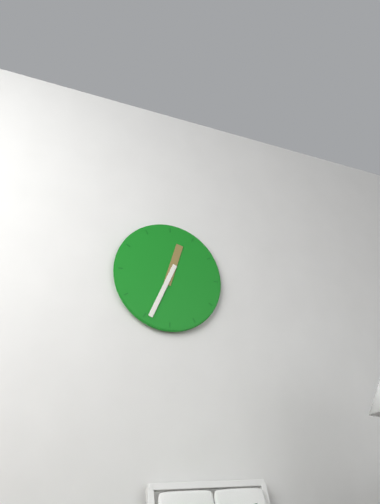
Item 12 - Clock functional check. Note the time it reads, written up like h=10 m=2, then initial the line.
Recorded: h=12 m=34
